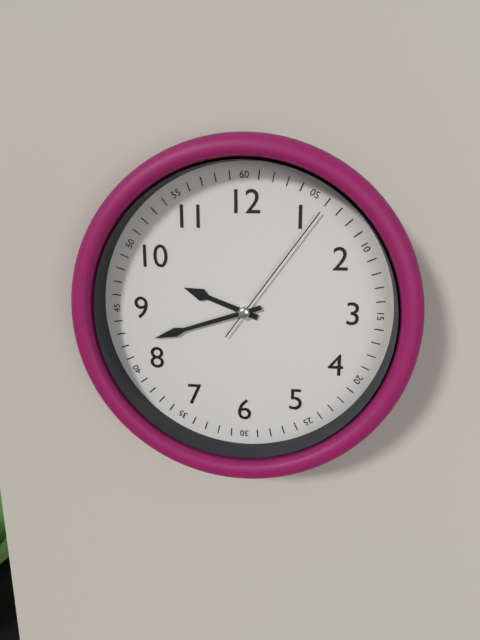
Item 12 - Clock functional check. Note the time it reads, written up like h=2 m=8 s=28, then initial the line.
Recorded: h=9 m=42 s=6
